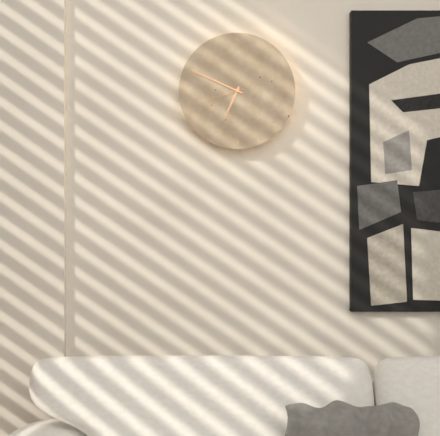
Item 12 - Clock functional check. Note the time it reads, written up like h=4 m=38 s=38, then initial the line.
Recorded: h=6 m=49 s=42
